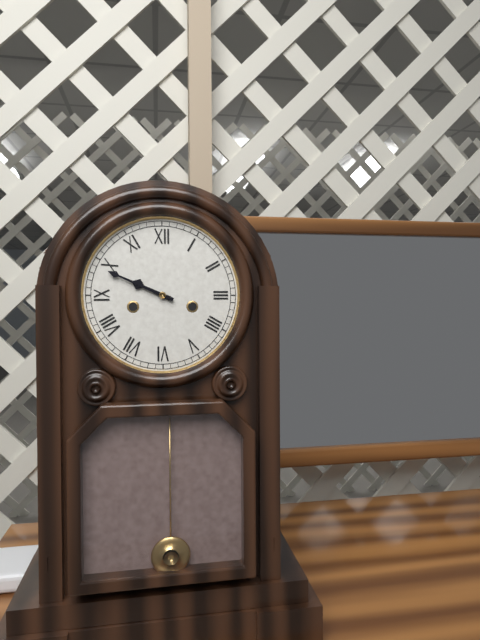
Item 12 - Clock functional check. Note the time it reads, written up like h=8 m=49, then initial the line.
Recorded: h=9 m=49
